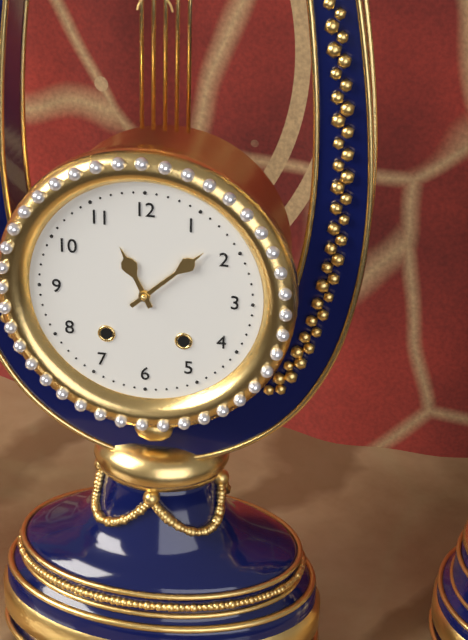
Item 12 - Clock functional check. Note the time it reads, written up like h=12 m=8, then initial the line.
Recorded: h=11 m=8
